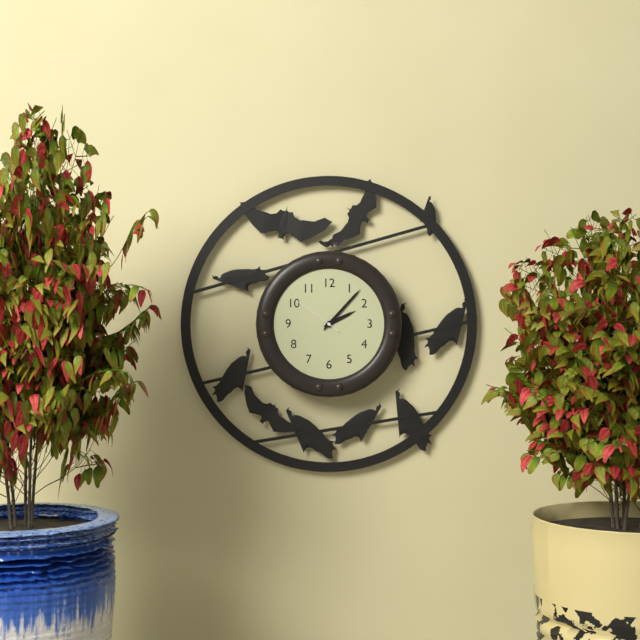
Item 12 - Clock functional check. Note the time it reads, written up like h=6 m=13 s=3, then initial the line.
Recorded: h=2 m=7 s=51
